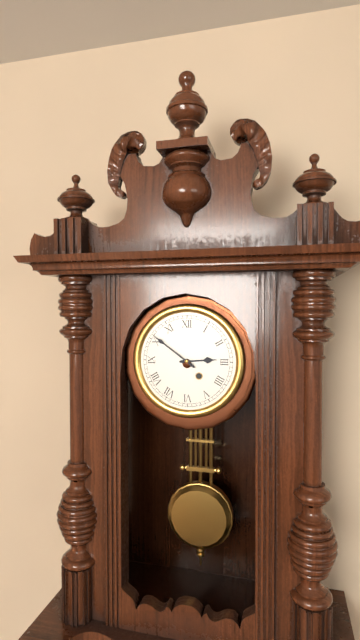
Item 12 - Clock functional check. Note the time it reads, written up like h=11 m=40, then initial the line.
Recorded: h=2 m=51
